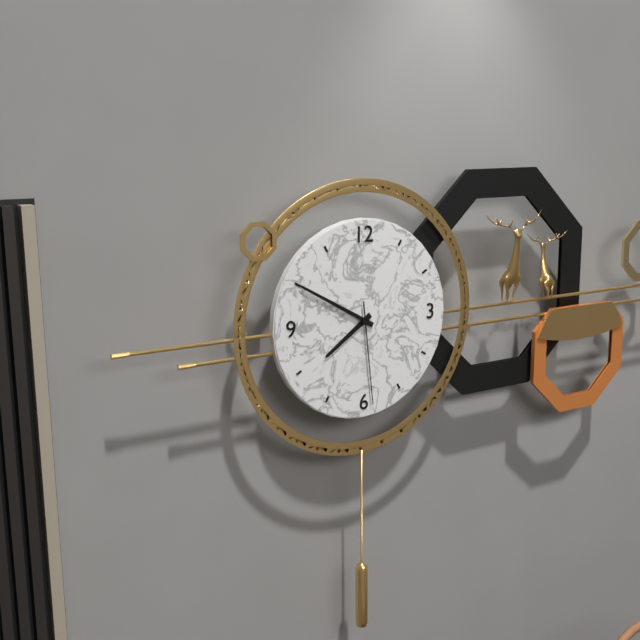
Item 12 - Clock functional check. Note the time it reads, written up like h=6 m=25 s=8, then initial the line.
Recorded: h=7 m=50 s=29
